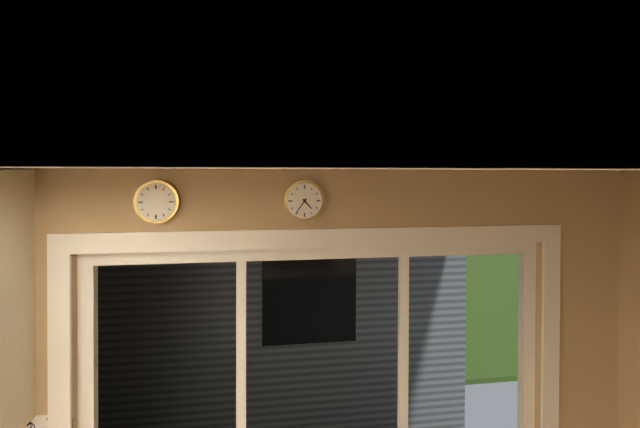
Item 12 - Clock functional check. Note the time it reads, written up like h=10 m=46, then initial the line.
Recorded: h=4 m=36
